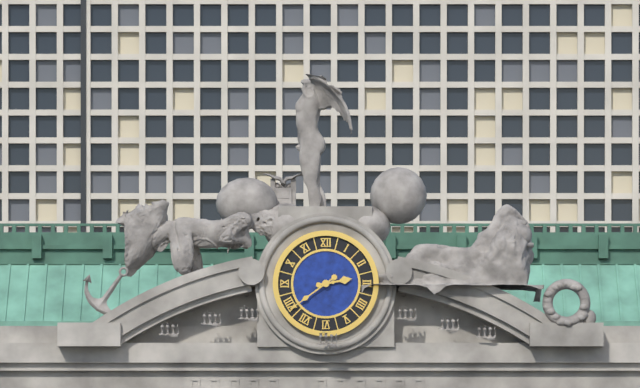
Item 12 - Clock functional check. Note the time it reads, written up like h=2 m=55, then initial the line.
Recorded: h=2 m=39
